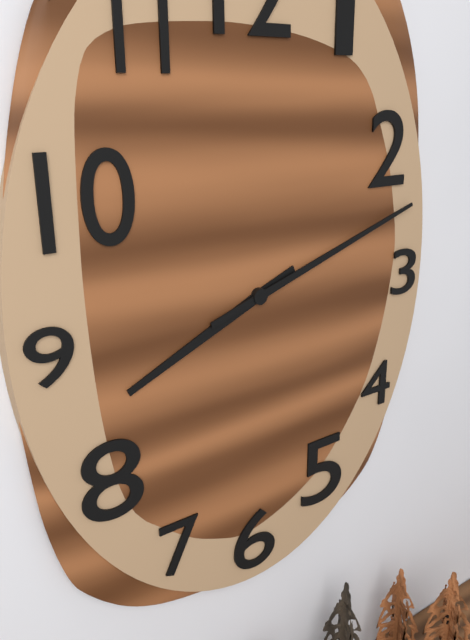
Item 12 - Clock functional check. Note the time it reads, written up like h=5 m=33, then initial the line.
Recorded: h=8 m=12
